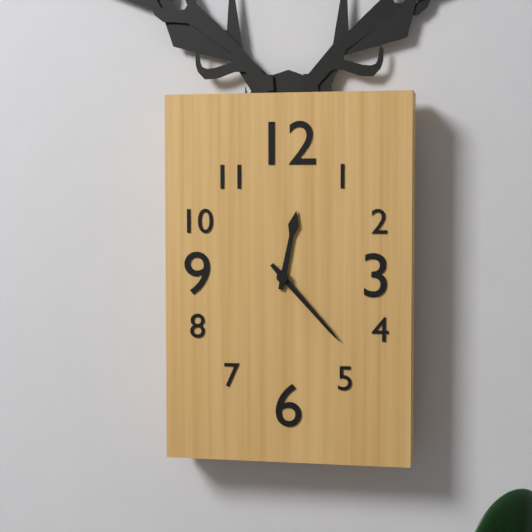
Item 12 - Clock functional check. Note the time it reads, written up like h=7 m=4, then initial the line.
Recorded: h=12 m=23
